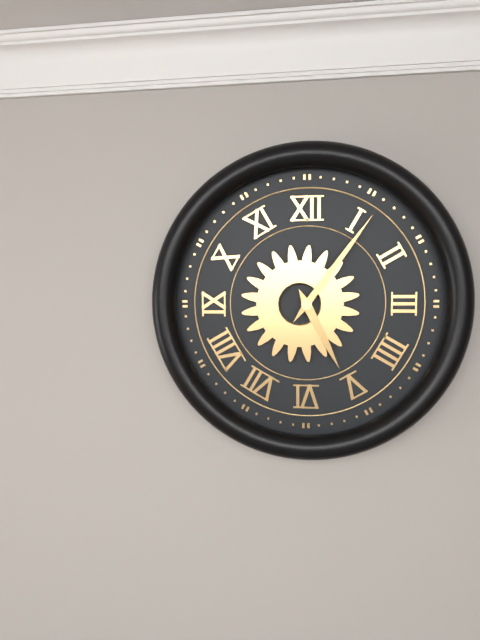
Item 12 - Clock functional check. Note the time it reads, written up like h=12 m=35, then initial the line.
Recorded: h=5 m=6
